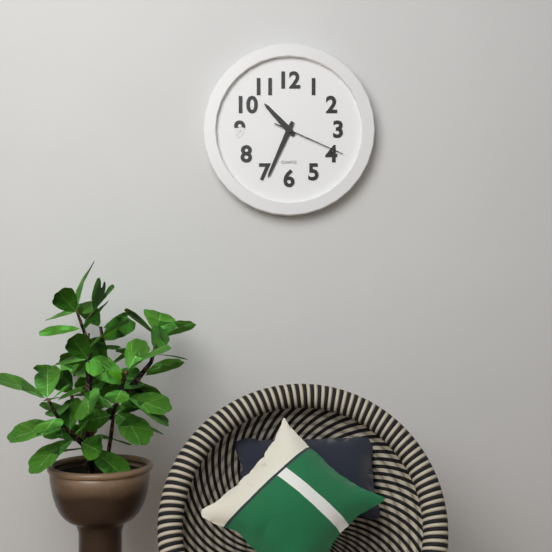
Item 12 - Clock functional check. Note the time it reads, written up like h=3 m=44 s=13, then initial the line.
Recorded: h=10 m=34 s=19
